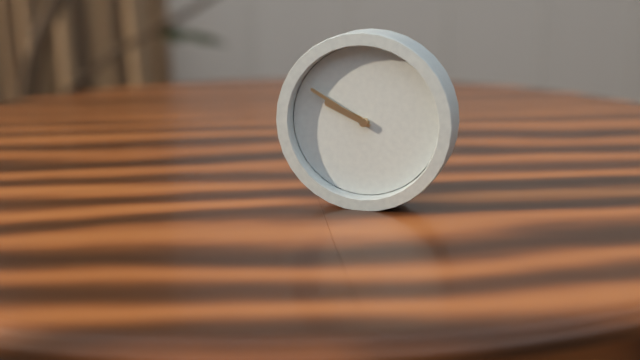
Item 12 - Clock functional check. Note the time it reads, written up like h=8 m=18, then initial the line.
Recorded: h=9 m=50
